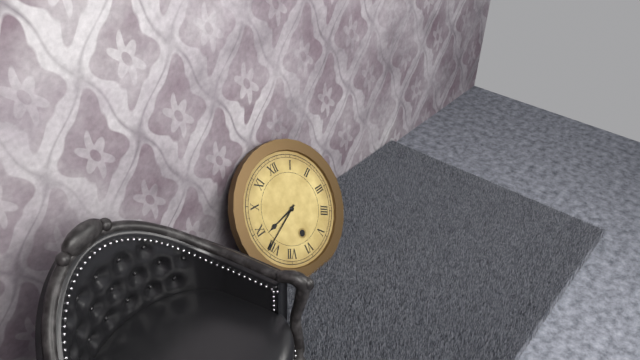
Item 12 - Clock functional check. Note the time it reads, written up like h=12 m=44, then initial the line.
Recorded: h=8 m=41
